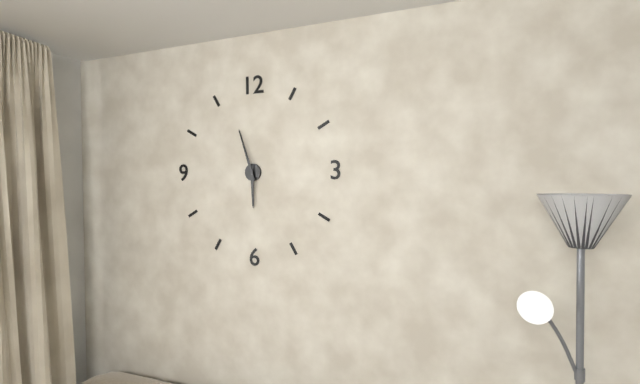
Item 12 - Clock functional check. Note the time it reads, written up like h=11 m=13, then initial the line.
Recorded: h=5 m=57
